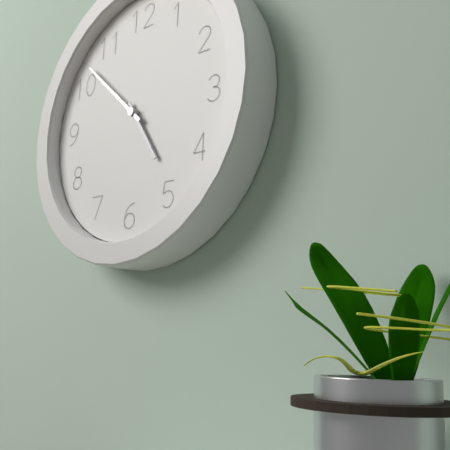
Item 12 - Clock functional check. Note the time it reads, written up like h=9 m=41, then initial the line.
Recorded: h=4 m=52
